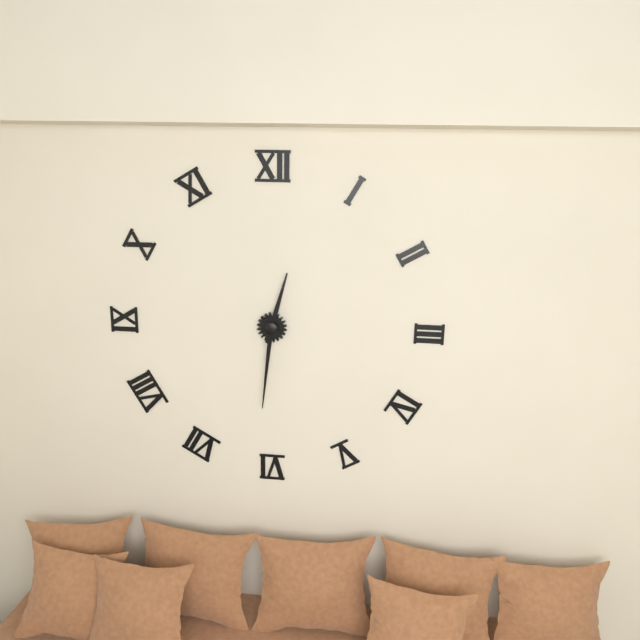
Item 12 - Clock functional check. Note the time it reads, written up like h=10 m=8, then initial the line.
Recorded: h=12 m=31
